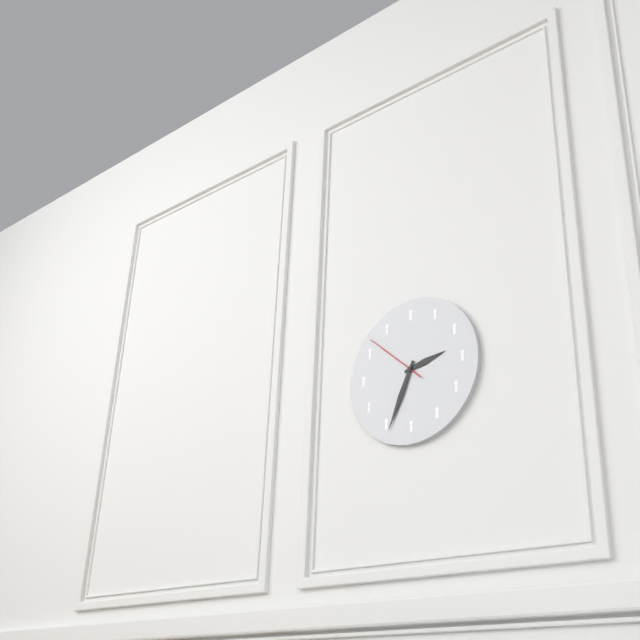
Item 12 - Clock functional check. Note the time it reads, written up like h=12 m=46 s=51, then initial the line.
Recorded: h=2 m=34 s=52
